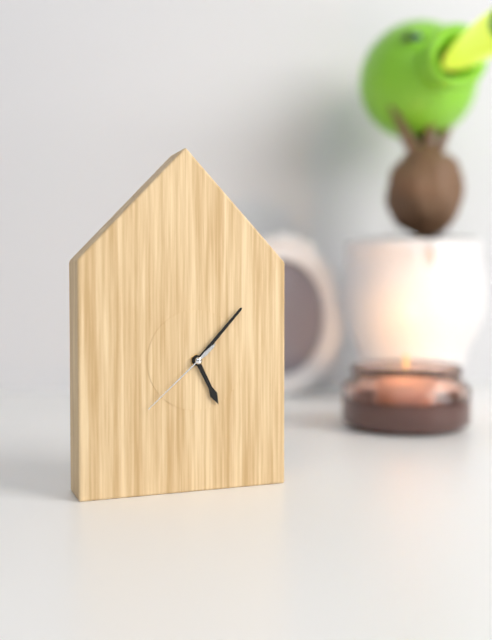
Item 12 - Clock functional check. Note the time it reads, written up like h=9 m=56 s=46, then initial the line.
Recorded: h=5 m=7 s=38
